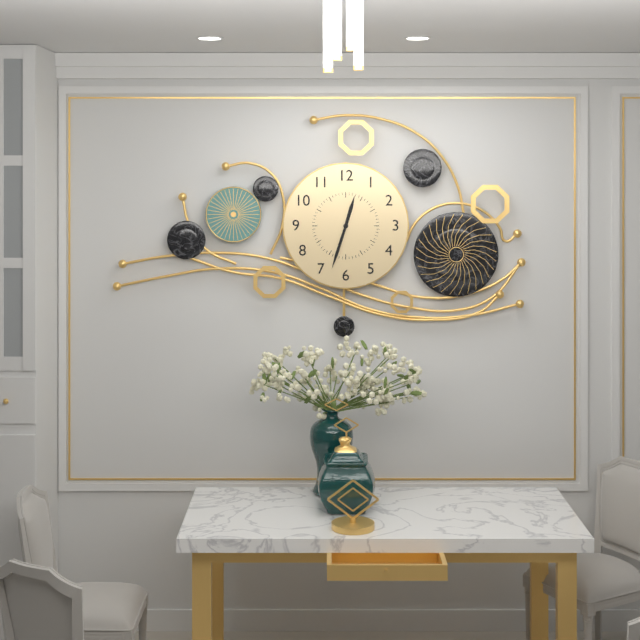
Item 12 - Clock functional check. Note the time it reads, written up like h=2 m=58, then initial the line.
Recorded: h=12 m=33
